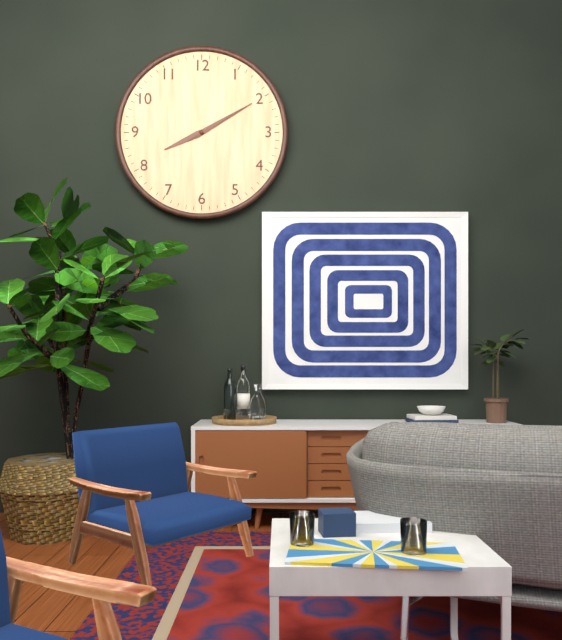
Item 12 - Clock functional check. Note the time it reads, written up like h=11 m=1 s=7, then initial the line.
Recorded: h=8 m=10 s=10
